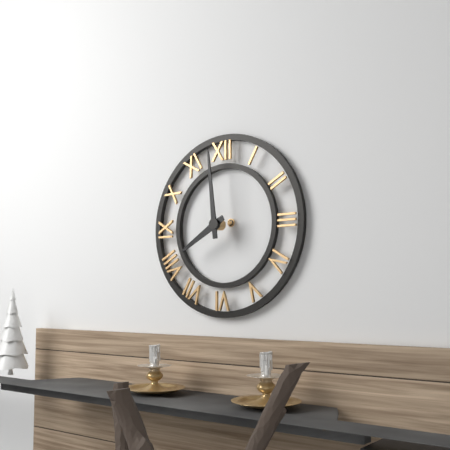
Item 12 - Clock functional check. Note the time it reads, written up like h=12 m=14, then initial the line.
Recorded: h=7 m=59
